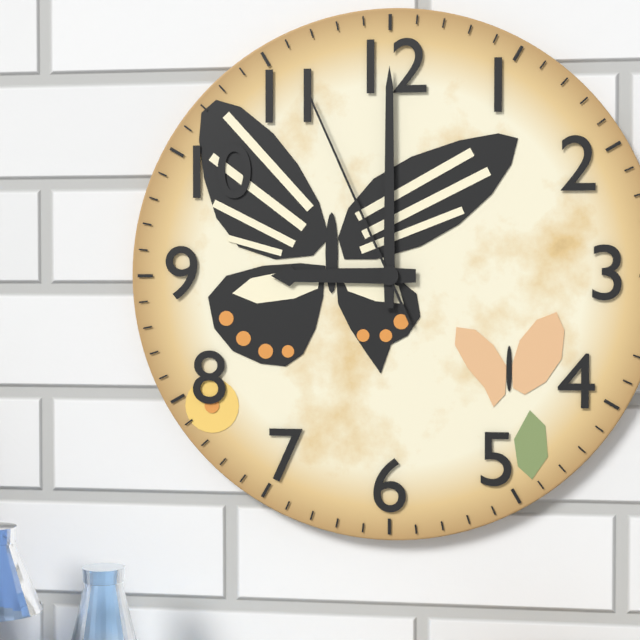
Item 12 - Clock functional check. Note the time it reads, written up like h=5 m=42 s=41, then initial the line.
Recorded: h=9 m=0 s=56
